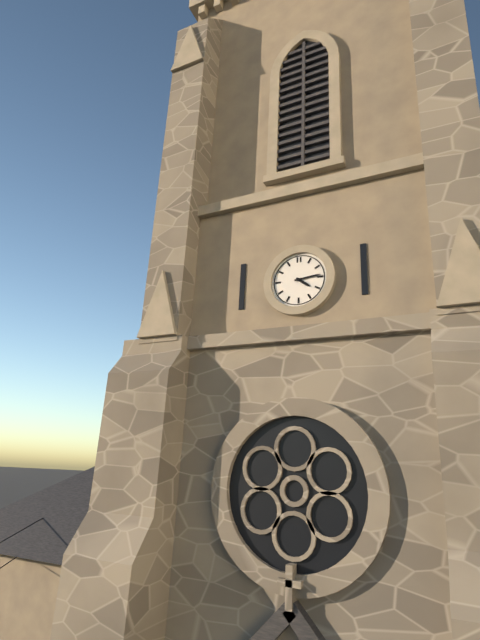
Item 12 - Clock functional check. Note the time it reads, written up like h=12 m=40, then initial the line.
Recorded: h=4 m=14
